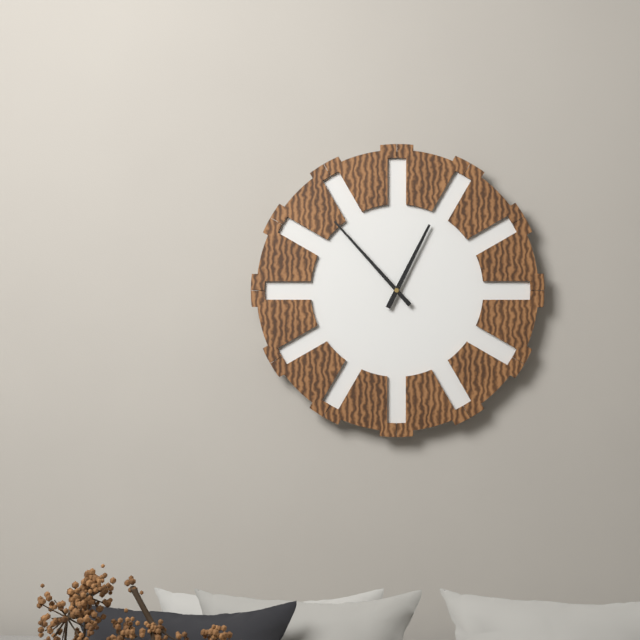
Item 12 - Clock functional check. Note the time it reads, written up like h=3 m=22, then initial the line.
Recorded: h=12 m=53
